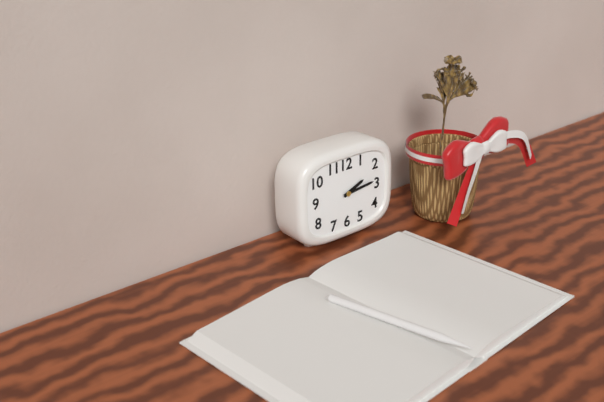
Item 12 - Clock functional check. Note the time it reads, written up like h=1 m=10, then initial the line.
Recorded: h=2 m=14
